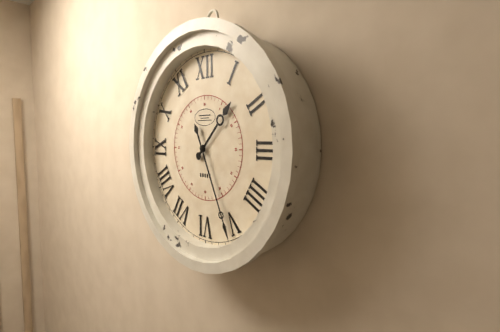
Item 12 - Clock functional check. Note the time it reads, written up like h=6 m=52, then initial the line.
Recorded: h=1 m=26
